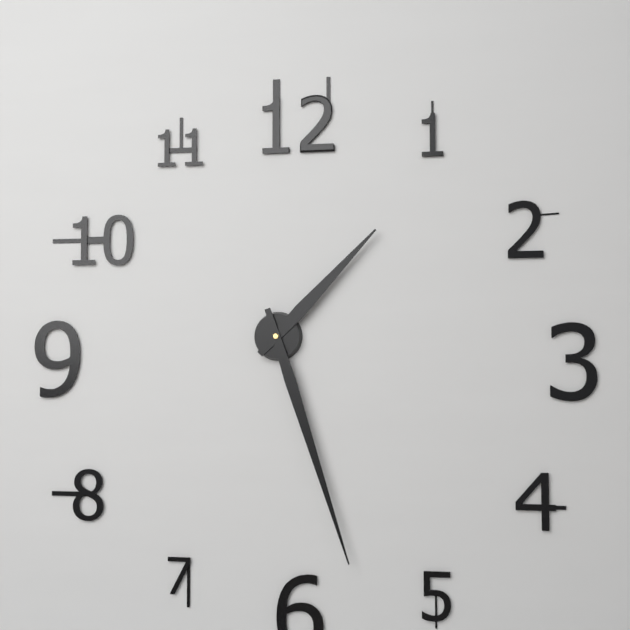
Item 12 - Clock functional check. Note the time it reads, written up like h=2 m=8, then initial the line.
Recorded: h=1 m=27
